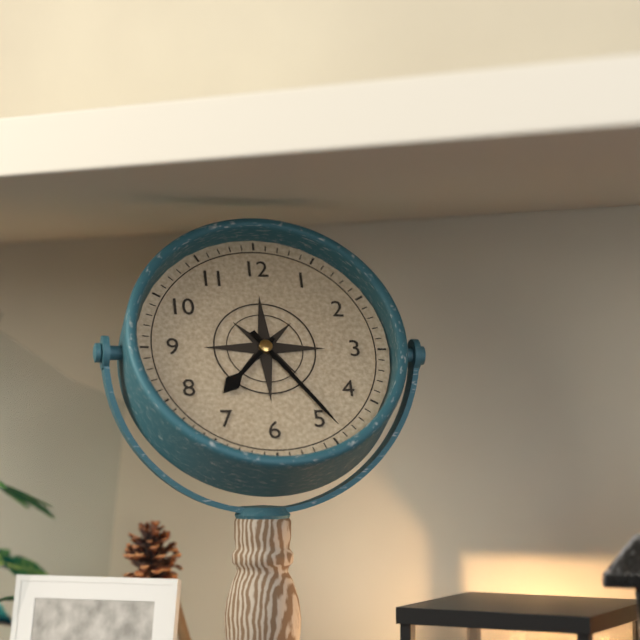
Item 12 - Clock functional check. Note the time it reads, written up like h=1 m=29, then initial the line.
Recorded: h=7 m=24
